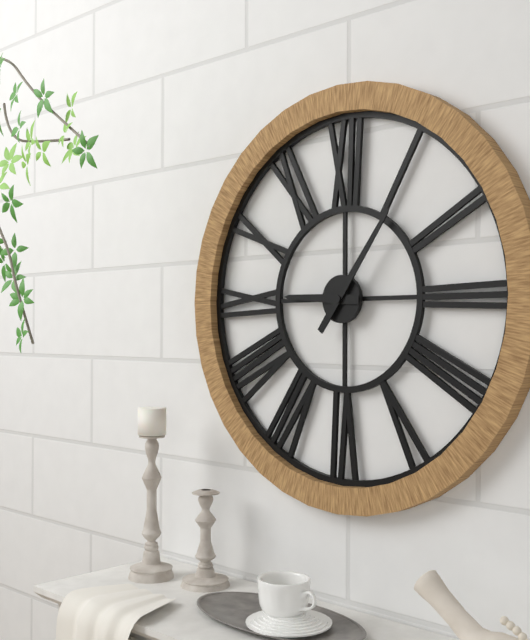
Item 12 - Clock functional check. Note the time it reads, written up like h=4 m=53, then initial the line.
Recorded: h=9 m=6
